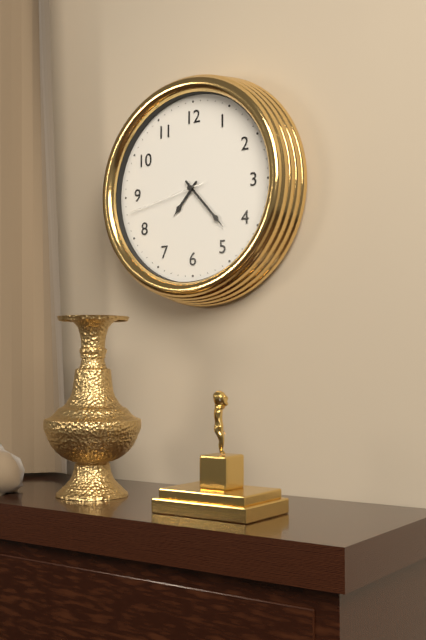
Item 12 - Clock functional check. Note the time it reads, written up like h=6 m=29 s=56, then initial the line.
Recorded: h=7 m=23 s=43
